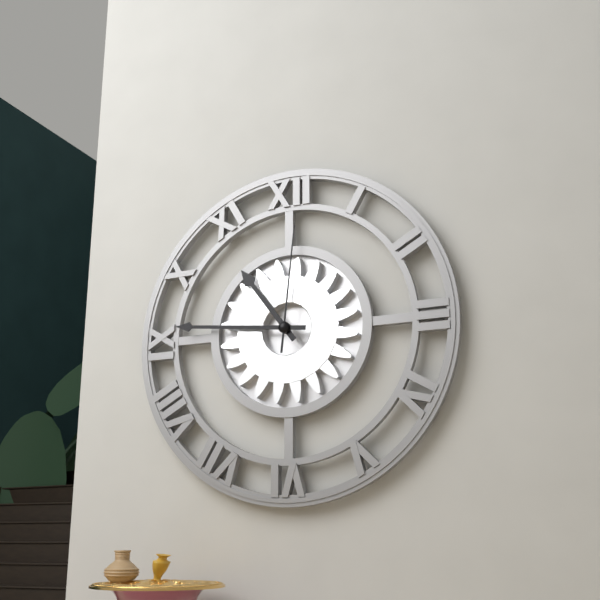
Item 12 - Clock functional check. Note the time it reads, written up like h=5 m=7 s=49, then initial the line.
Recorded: h=10 m=46 s=1
